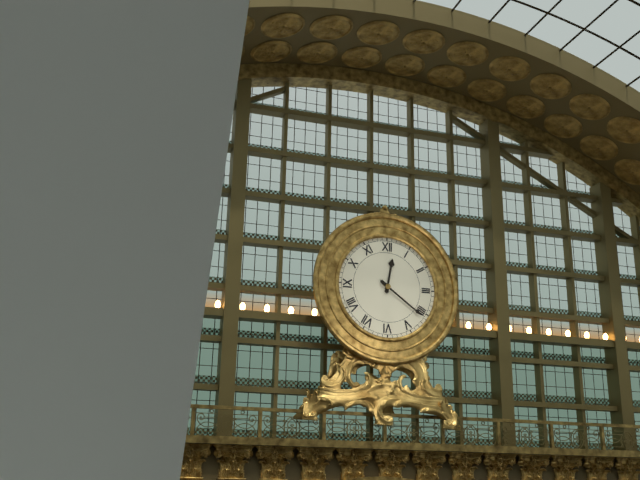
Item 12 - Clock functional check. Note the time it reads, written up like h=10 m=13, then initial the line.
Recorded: h=12 m=21
